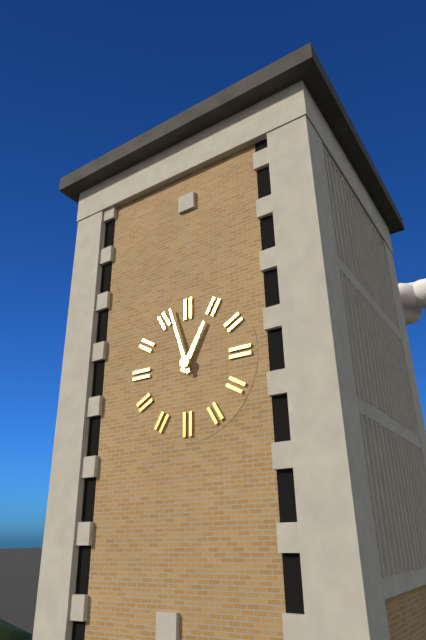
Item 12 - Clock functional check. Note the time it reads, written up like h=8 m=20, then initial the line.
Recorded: h=12 m=57
